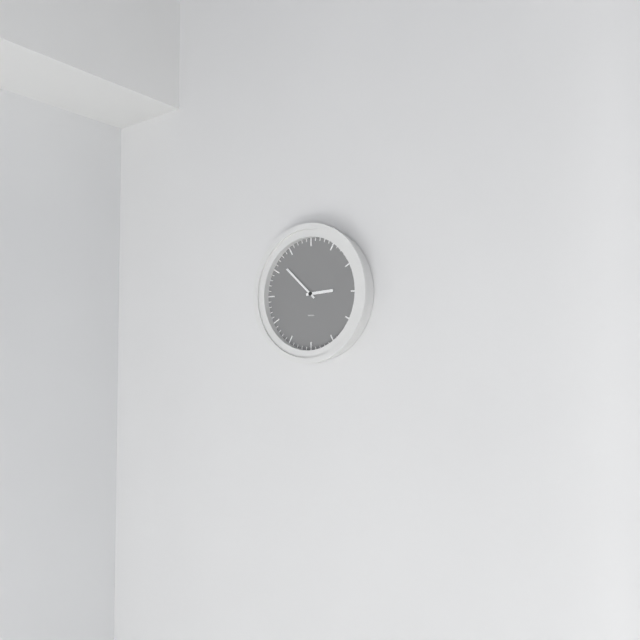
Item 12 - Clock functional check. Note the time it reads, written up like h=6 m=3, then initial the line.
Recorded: h=2 m=52
